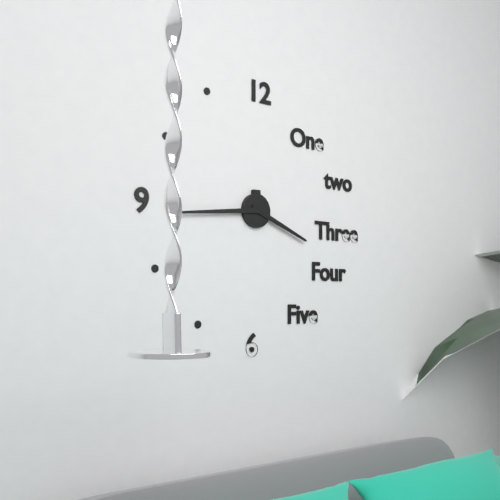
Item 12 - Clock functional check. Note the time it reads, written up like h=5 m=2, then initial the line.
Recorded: h=3 m=44
